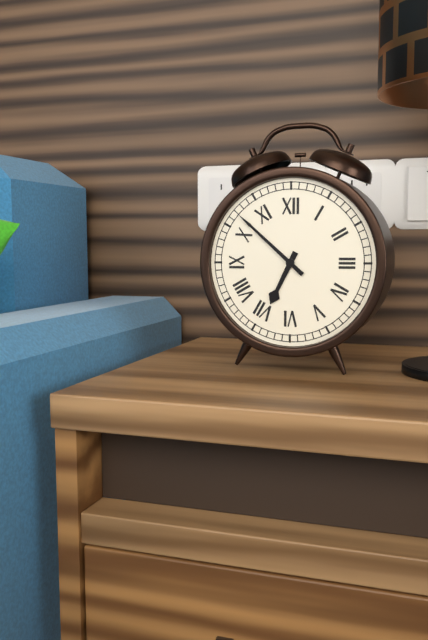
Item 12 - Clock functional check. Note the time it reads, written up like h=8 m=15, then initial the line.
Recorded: h=6 m=52
